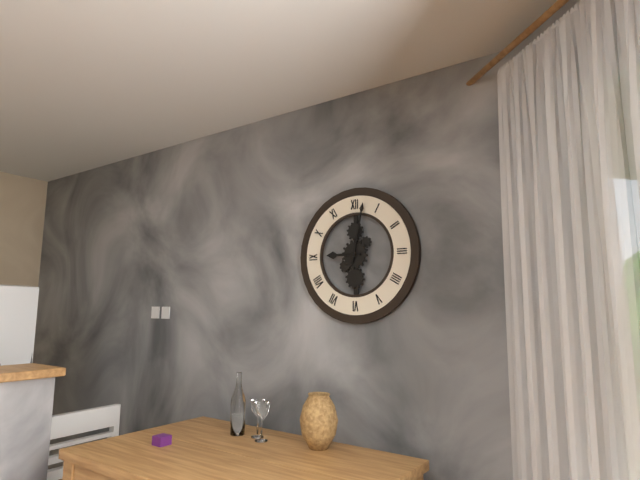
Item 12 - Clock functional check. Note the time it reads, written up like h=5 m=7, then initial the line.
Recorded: h=9 m=2
